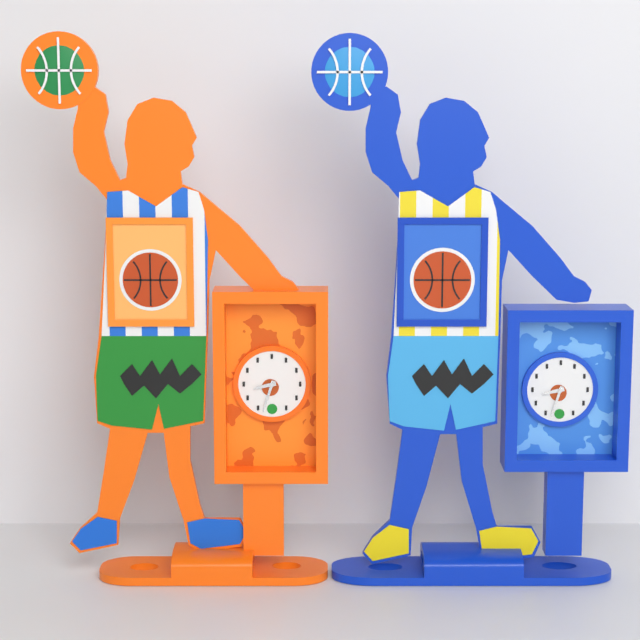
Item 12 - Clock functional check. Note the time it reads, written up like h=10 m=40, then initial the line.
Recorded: h=8 m=33
